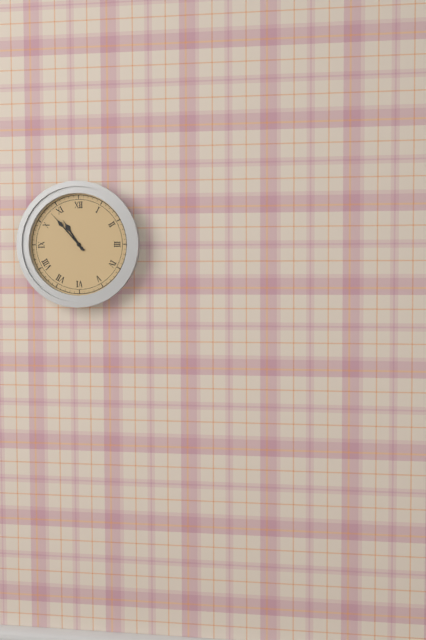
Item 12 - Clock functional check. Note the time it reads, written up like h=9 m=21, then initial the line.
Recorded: h=10 m=53
